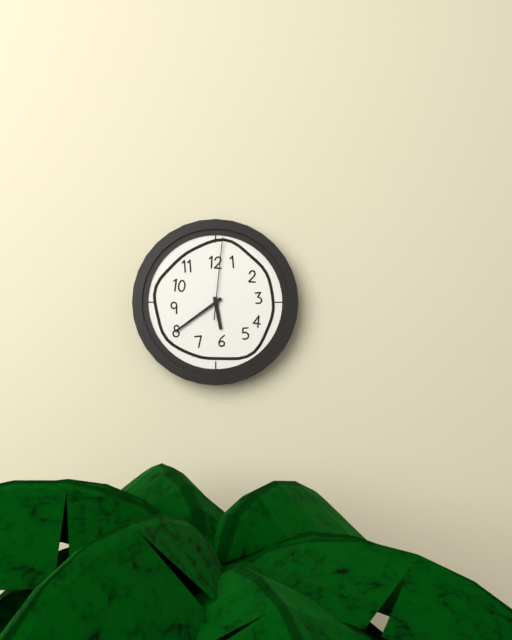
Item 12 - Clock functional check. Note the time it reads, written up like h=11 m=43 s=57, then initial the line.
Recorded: h=5 m=39 s=1
